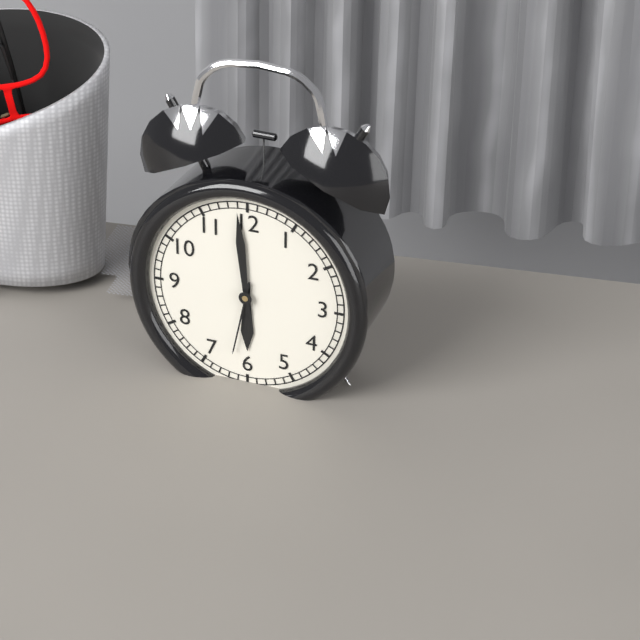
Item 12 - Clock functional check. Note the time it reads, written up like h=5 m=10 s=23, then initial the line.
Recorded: h=5 m=59 s=32
